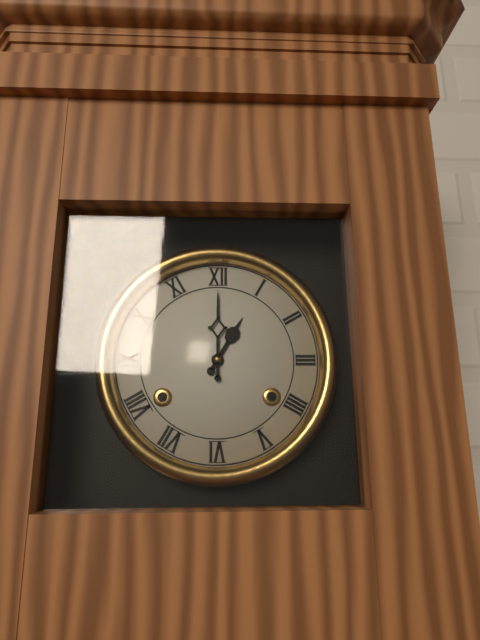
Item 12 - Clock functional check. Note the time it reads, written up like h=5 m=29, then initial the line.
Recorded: h=1 m=0
